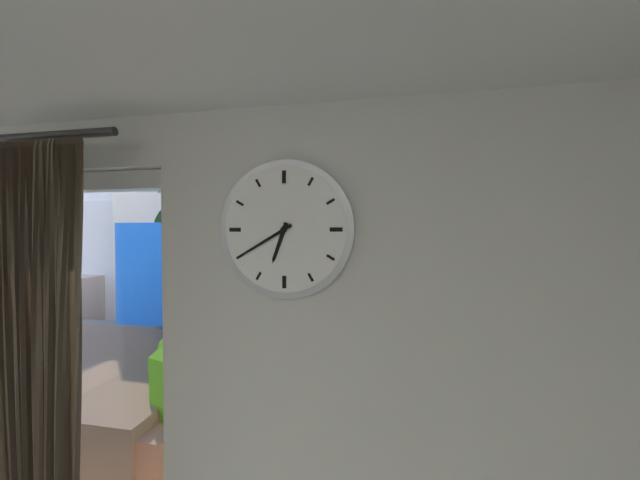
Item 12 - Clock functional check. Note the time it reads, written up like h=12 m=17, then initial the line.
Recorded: h=6 m=40
